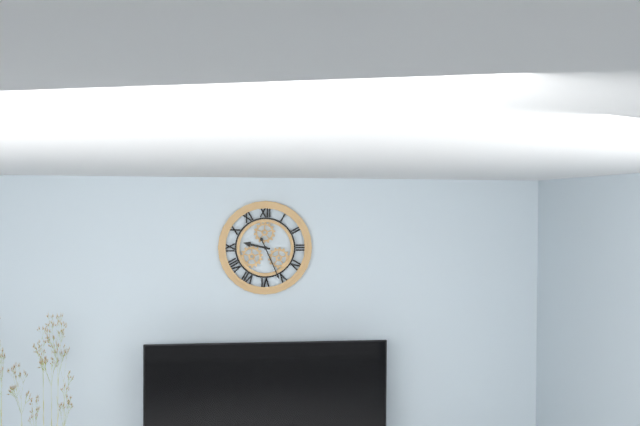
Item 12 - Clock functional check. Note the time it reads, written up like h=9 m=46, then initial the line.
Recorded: h=9 m=26
